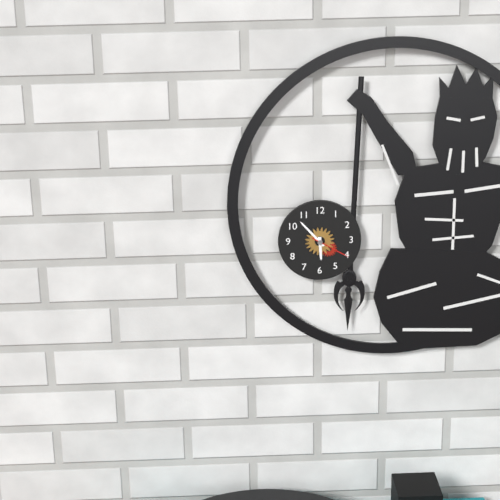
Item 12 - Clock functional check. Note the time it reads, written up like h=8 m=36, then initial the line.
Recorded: h=5 m=53
